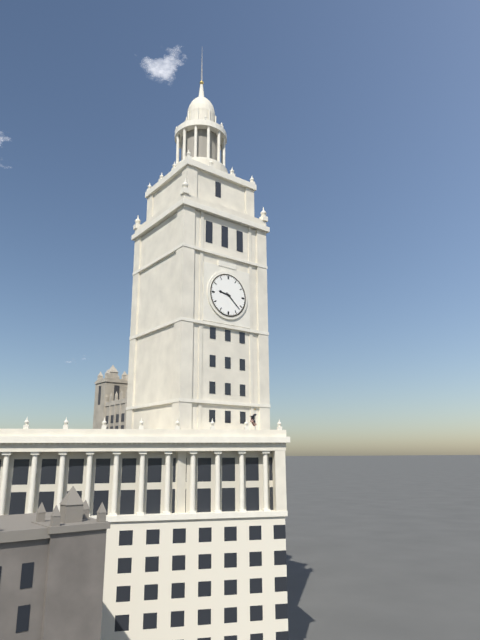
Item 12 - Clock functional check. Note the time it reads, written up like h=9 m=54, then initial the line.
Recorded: h=9 m=22
